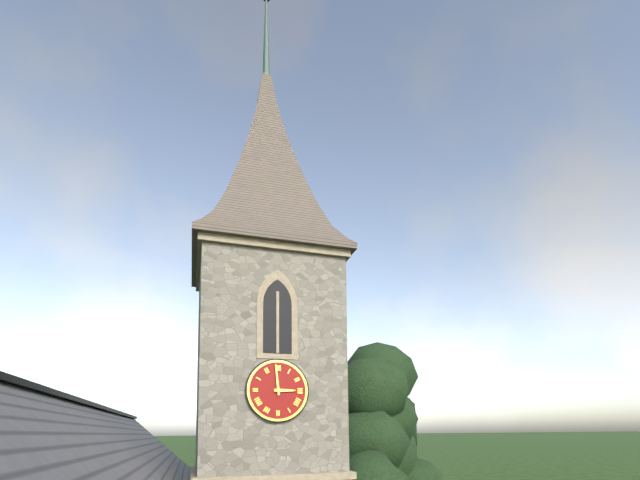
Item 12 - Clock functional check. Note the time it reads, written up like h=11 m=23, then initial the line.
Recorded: h=2 m=59
